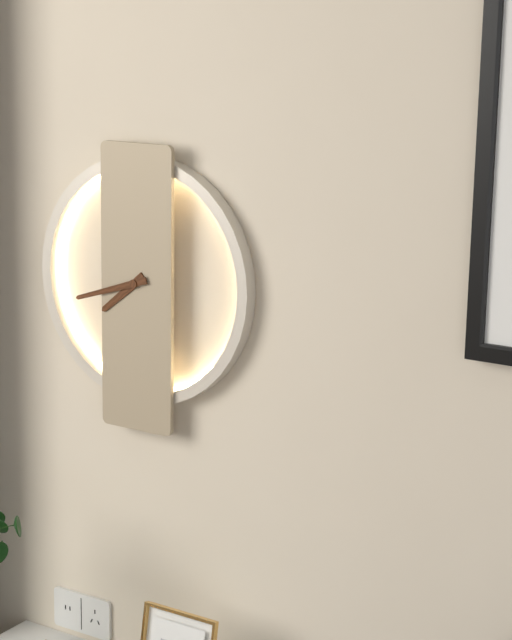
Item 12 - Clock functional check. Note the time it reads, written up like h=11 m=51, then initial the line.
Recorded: h=7 m=42
